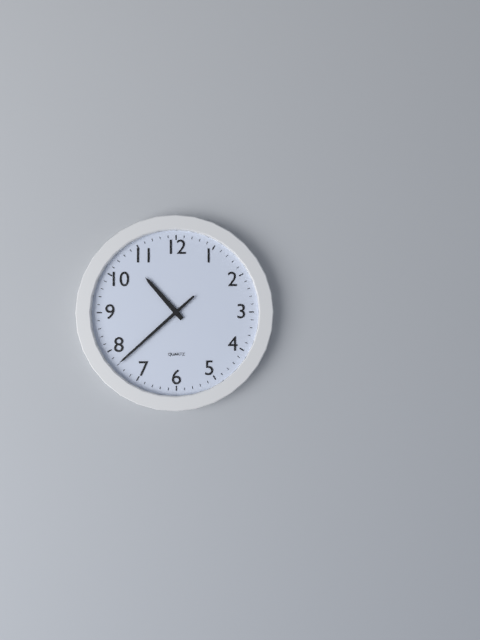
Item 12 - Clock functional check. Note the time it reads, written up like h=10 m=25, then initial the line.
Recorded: h=10 m=38
